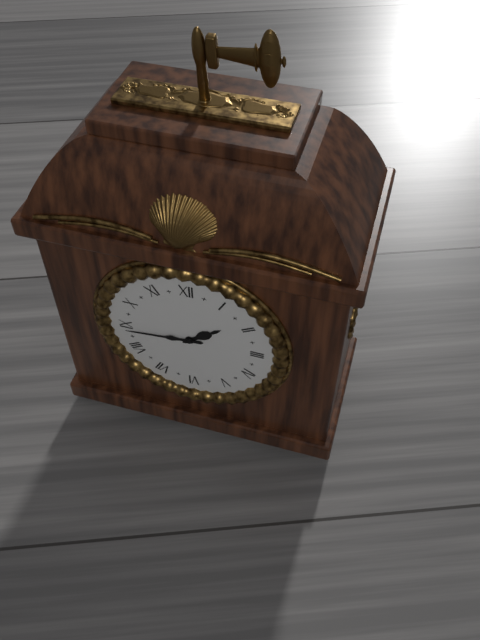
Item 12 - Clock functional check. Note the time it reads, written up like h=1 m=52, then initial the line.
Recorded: h=1 m=44
